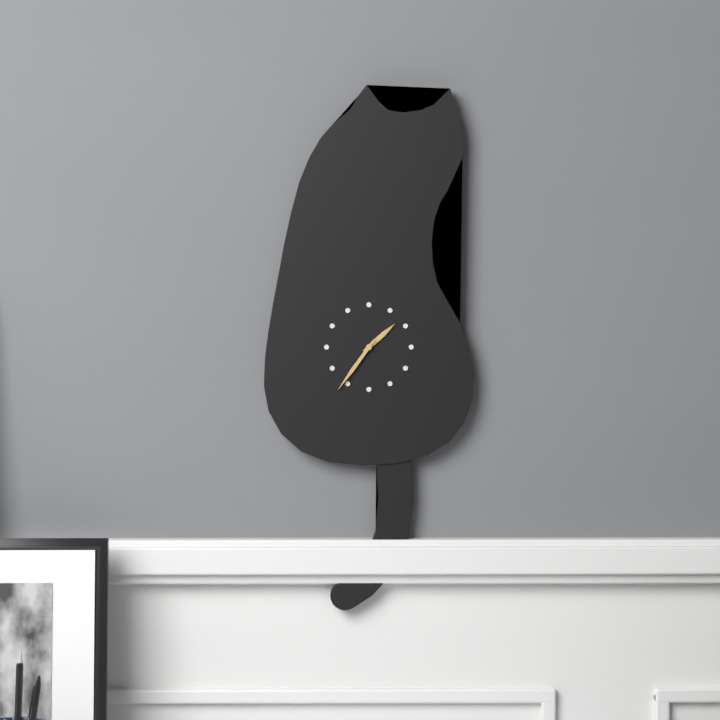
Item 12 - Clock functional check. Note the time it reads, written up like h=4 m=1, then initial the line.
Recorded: h=1 m=36
